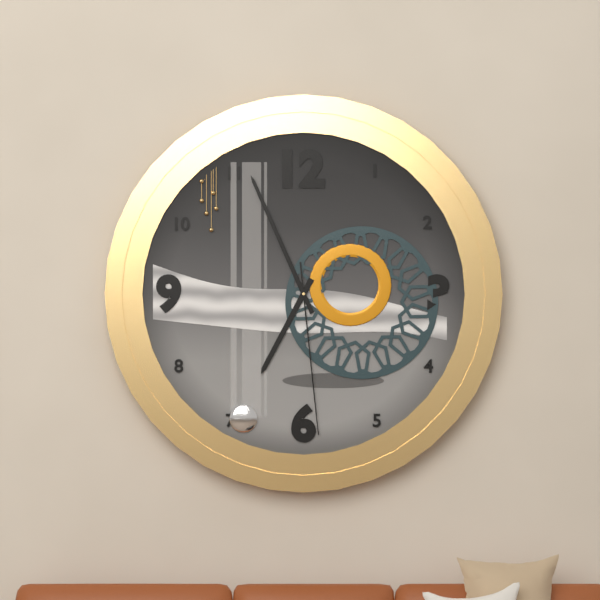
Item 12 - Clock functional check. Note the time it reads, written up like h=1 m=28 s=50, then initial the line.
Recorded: h=6 m=56 s=29
